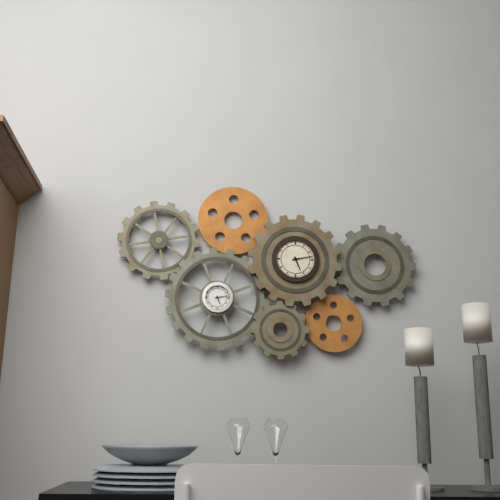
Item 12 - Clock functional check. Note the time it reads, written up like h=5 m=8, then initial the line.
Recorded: h=5 m=13
